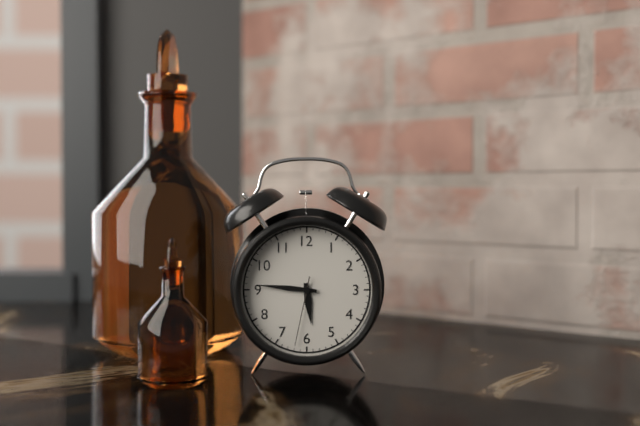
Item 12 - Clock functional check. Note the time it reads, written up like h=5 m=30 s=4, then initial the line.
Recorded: h=5 m=46 s=32
